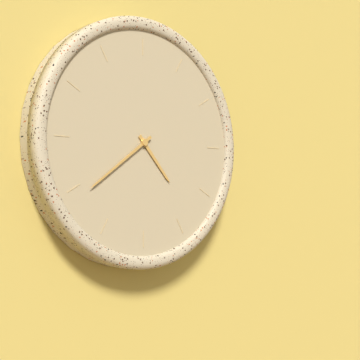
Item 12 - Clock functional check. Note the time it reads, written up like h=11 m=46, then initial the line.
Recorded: h=4 m=39
